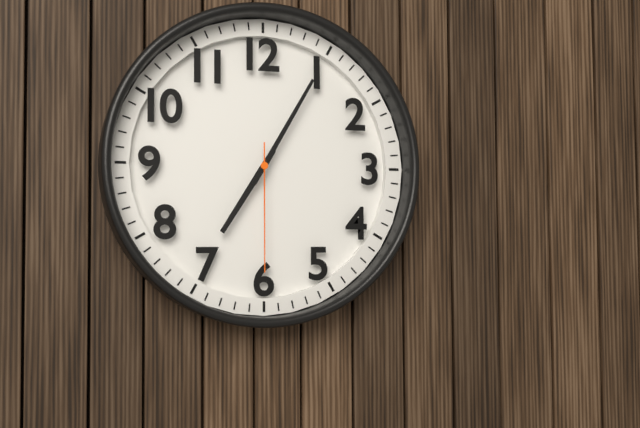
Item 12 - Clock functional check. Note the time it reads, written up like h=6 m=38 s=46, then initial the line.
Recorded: h=7 m=5 s=30
